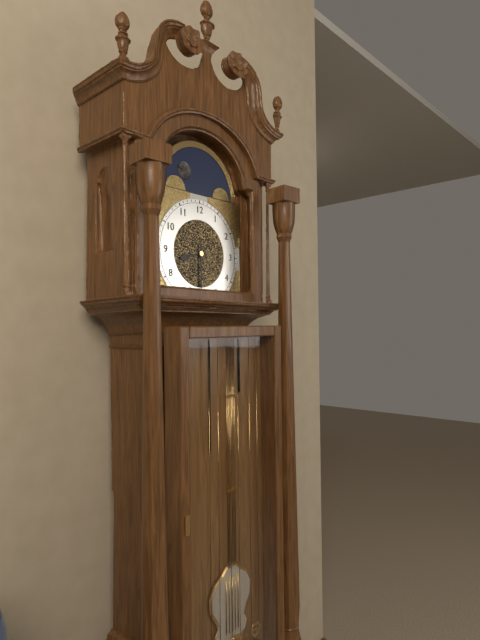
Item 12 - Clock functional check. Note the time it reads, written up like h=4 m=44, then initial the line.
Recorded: h=8 m=30
